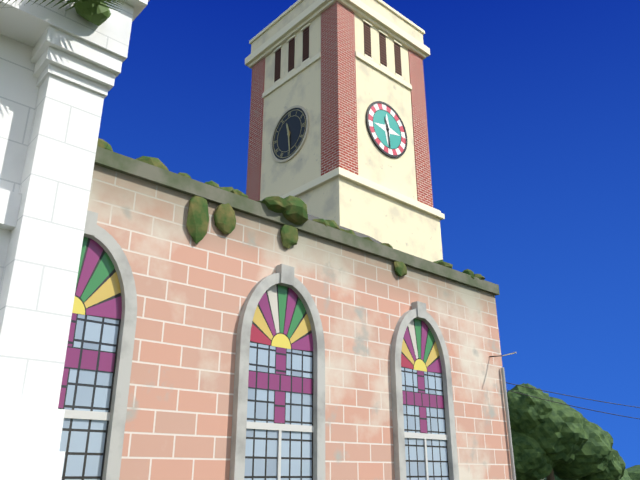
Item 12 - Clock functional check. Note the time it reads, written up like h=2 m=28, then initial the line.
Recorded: h=11 m=29
